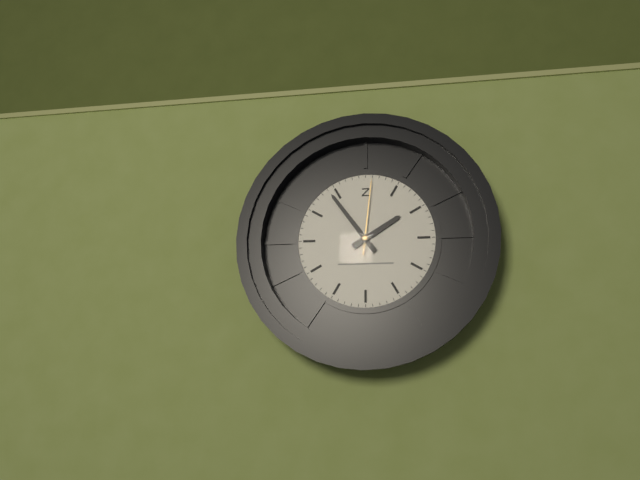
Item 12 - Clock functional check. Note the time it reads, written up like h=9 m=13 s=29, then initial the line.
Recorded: h=1 m=54 s=1
